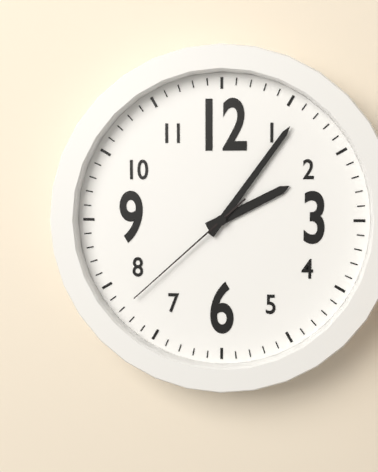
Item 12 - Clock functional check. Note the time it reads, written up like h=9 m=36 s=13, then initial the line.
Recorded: h=2 m=6 s=38
